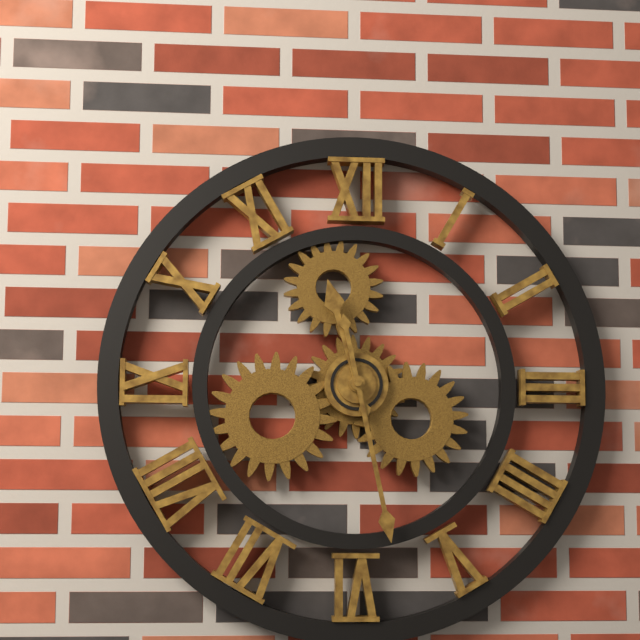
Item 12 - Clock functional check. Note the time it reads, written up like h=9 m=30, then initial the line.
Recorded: h=11 m=28
